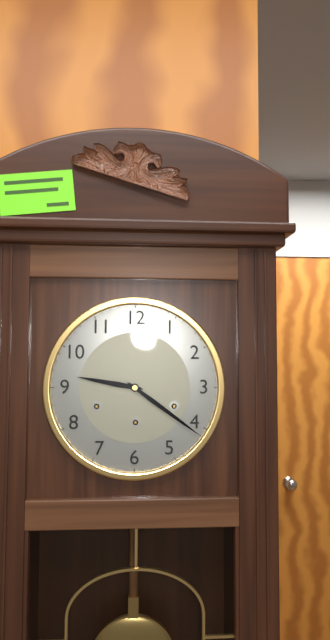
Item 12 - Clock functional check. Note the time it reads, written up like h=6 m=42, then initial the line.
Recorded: h=9 m=21
